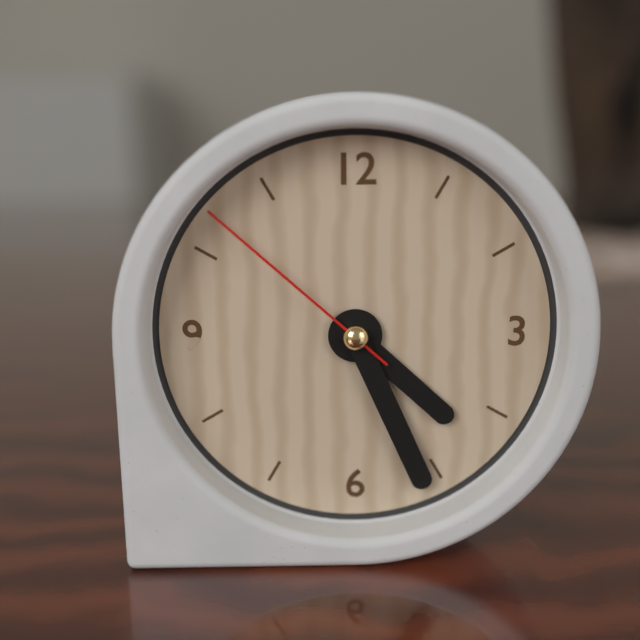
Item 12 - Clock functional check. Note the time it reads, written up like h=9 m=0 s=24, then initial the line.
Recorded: h=4 m=26 s=52
